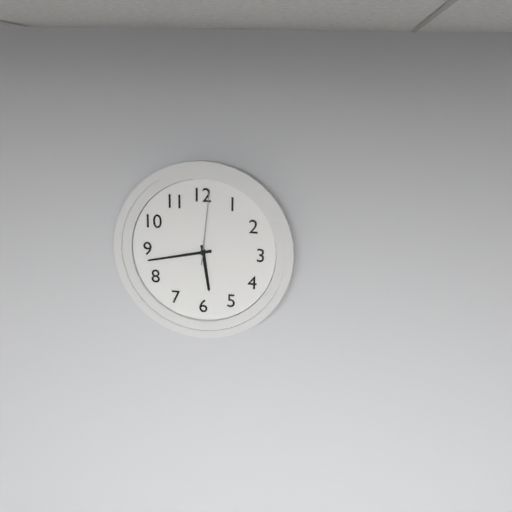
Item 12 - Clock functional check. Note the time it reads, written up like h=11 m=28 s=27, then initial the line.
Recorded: h=5 m=43 s=1
